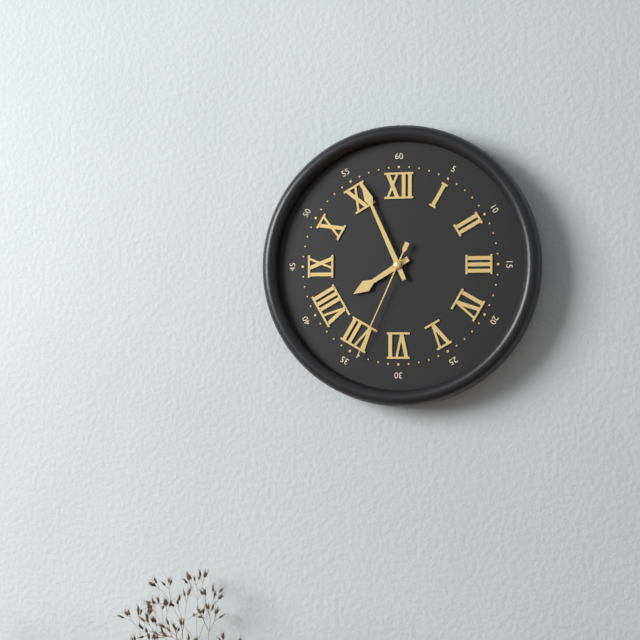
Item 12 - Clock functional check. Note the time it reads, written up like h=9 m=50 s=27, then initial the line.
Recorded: h=7 m=56 s=34
